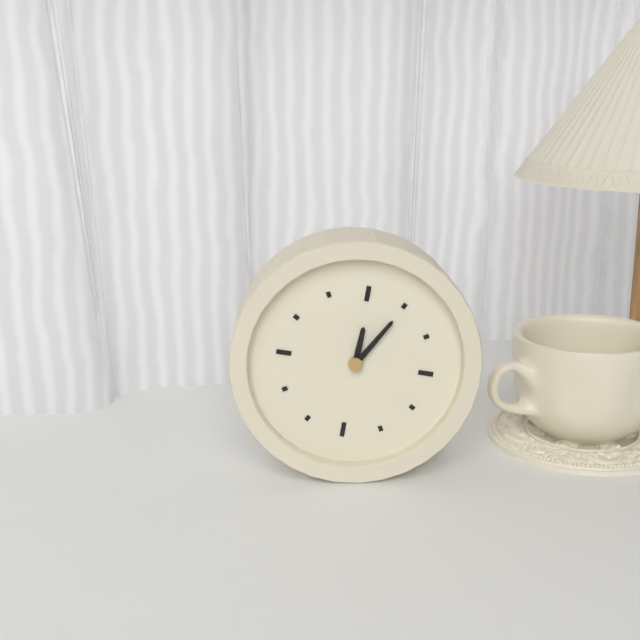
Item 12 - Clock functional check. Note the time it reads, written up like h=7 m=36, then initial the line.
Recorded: h=12 m=5
